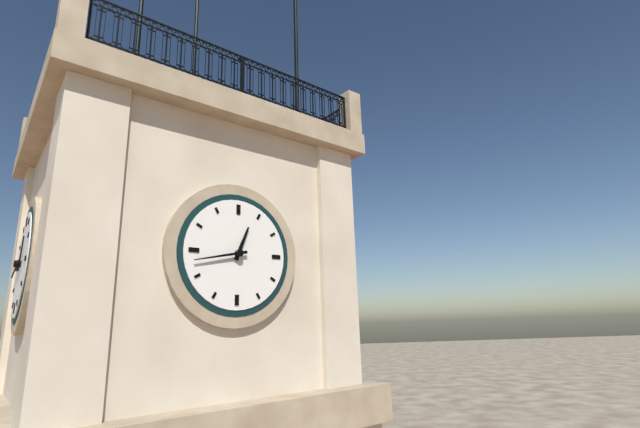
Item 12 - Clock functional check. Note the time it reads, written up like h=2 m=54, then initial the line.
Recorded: h=12 m=43
